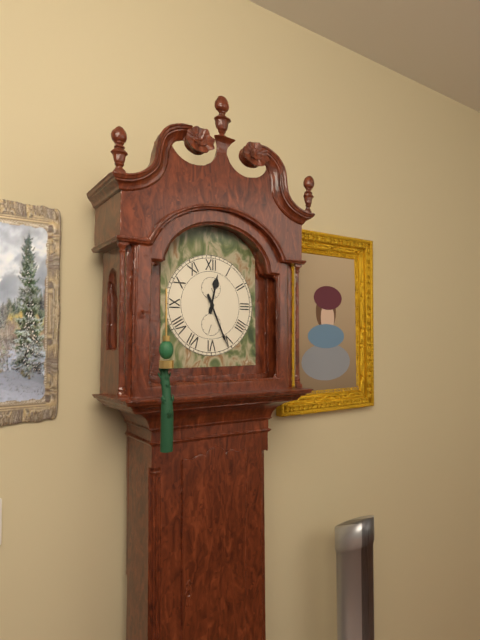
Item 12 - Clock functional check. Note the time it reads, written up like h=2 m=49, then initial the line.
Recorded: h=12 m=26
